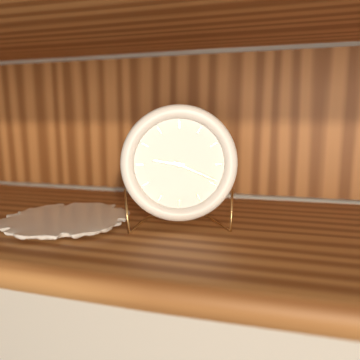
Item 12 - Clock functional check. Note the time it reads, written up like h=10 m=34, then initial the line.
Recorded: h=9 m=19
